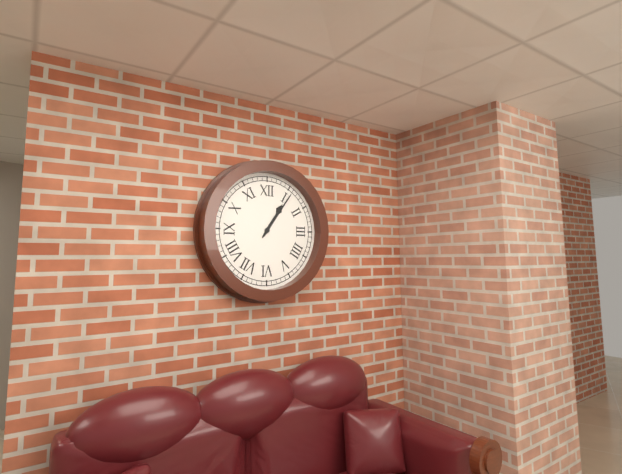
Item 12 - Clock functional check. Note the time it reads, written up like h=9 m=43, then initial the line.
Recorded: h=1 m=6
